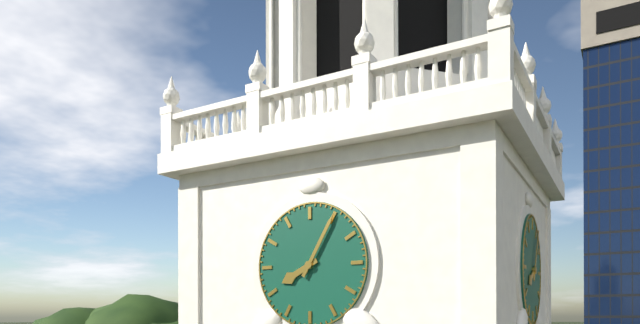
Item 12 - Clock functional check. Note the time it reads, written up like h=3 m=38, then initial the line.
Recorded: h=8 m=5
